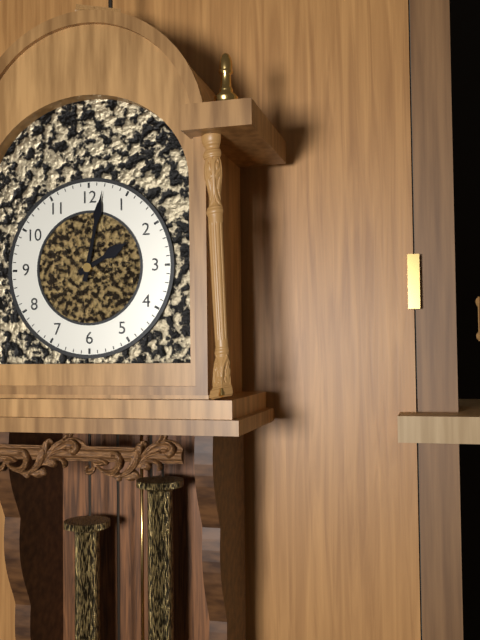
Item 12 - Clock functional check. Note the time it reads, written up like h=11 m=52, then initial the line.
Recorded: h=2 m=2
